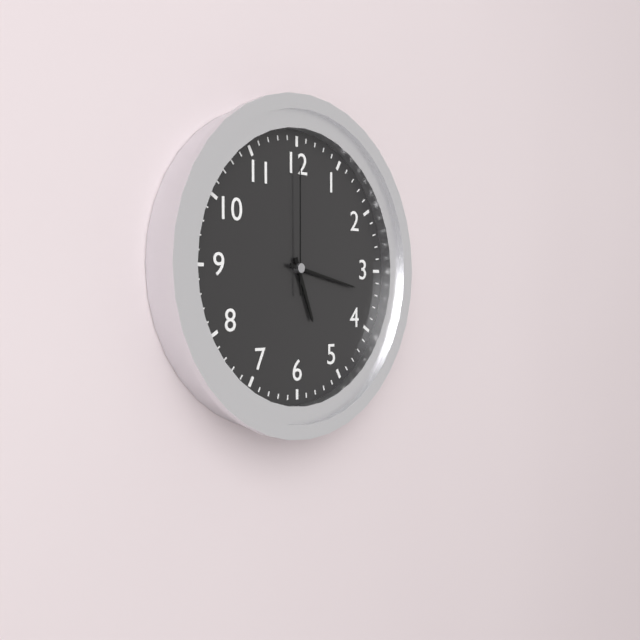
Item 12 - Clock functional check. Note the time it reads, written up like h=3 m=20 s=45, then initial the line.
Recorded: h=5 m=17 s=0
